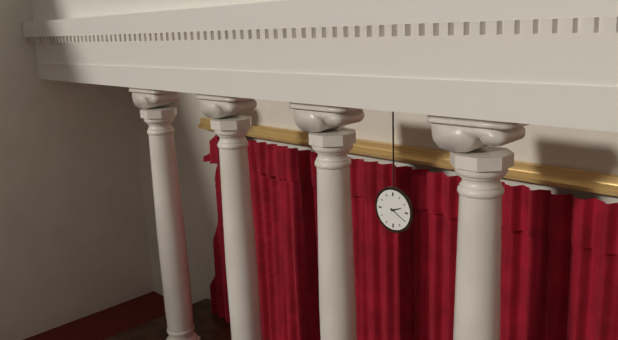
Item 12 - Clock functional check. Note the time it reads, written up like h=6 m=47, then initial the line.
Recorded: h=2 m=20
